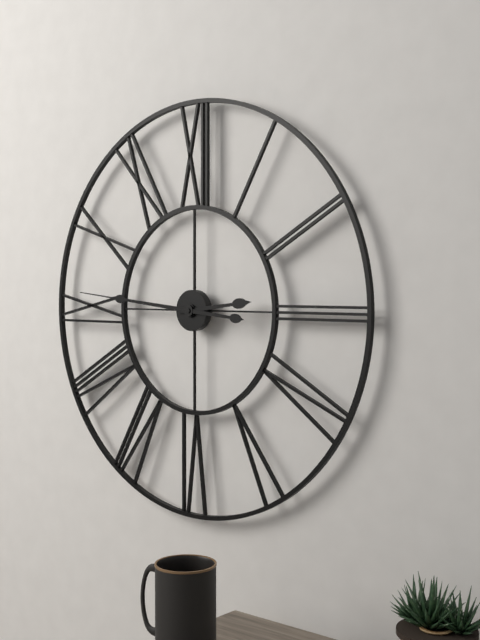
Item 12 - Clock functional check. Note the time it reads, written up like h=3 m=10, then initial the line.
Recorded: h=2 m=46
